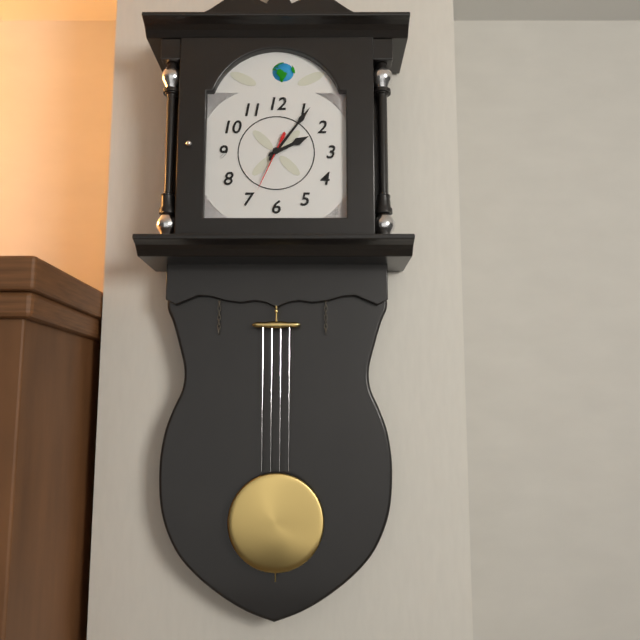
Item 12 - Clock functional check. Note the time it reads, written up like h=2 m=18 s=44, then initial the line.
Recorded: h=2 m=6 s=34
